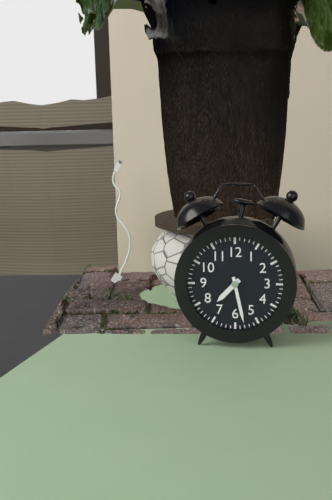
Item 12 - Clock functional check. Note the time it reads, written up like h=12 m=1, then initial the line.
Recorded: h=7 m=28
